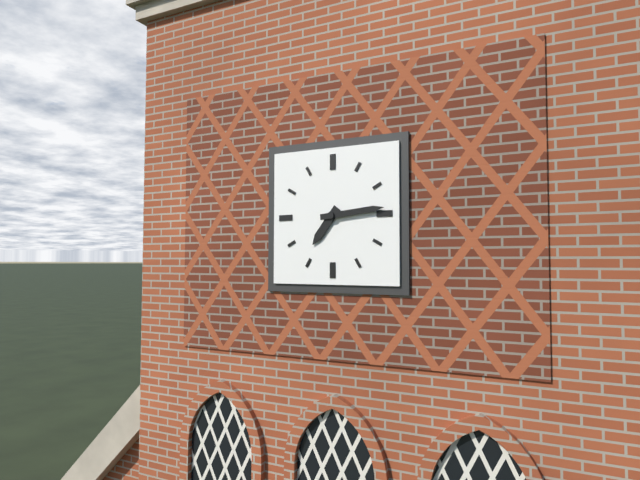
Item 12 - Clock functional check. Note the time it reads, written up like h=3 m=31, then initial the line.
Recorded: h=7 m=14
